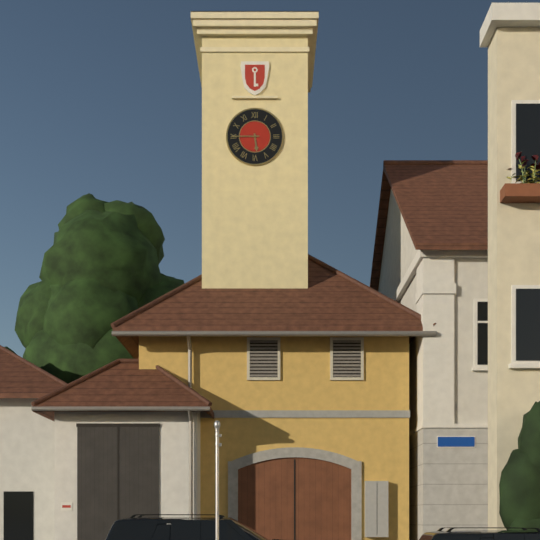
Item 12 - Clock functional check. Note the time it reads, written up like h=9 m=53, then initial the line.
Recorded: h=5 m=45
